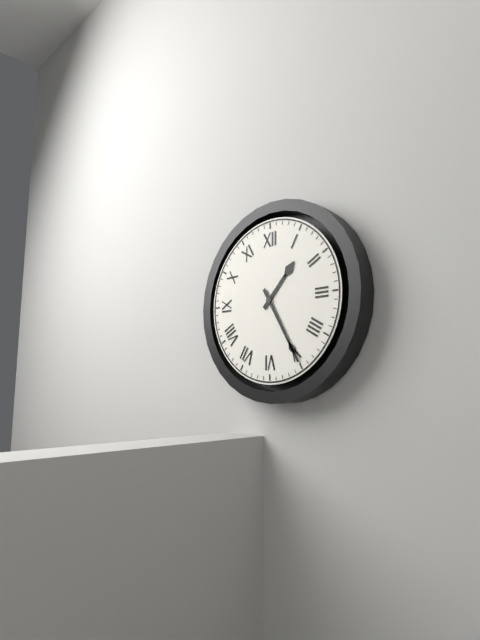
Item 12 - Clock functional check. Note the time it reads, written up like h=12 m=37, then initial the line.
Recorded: h=1 m=25
